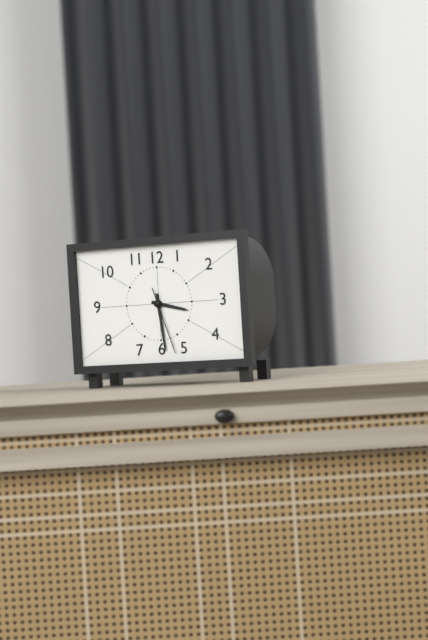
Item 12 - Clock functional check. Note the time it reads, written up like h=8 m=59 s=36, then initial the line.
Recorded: h=3 m=29 s=27
